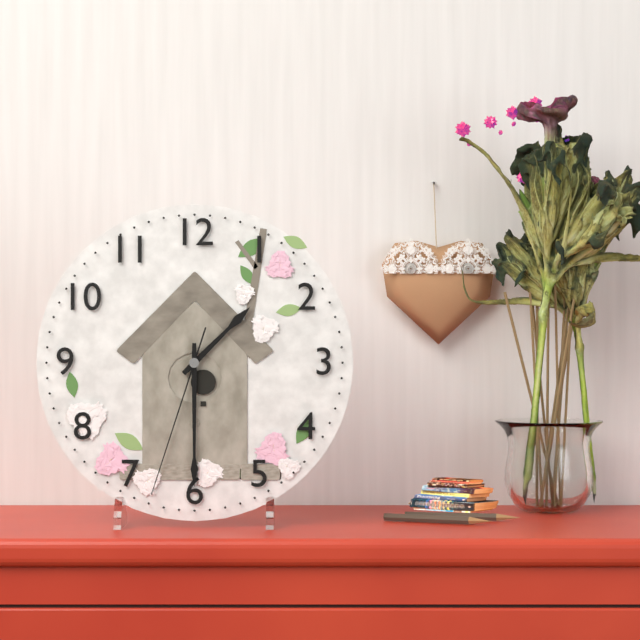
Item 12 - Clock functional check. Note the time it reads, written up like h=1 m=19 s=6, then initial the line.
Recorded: h=1 m=30 s=33
